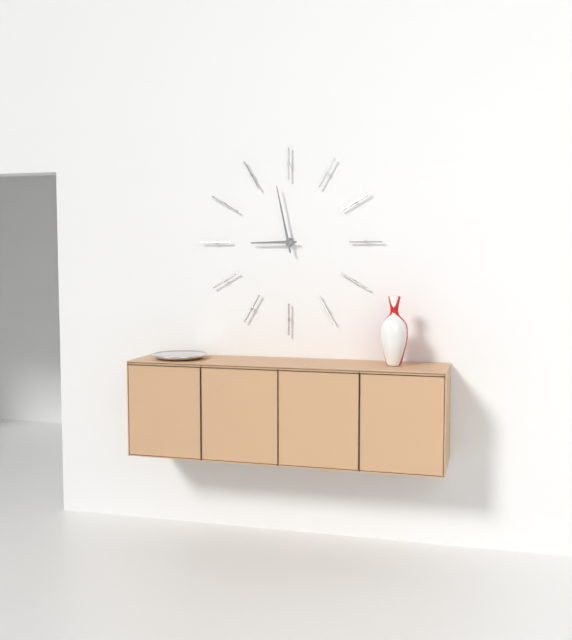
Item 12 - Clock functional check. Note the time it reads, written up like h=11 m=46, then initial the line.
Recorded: h=8 m=58
